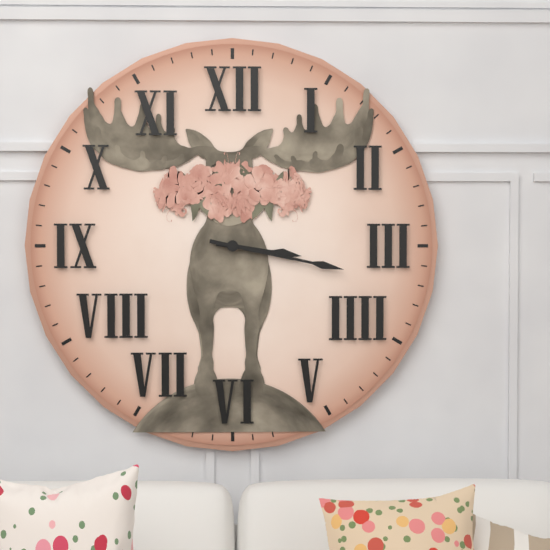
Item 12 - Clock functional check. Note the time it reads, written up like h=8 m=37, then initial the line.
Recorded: h=3 m=17
